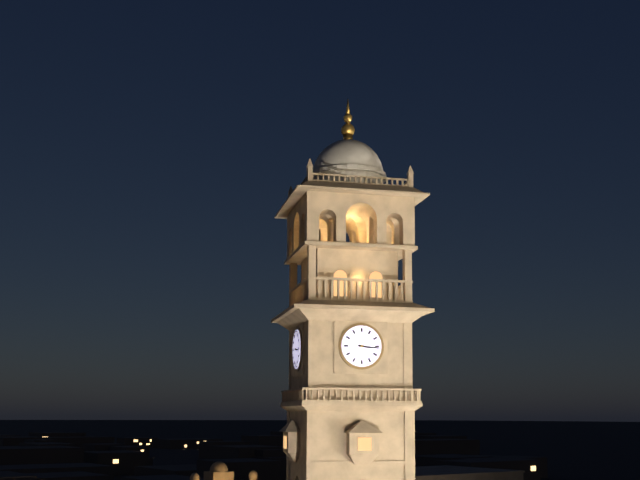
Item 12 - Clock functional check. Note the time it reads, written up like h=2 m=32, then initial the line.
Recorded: h=3 m=16
